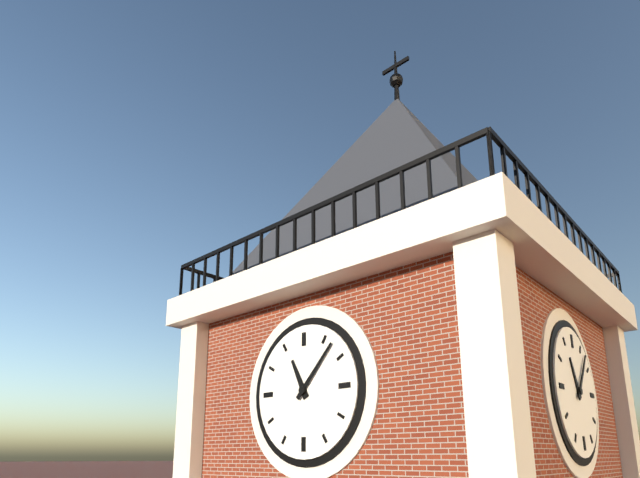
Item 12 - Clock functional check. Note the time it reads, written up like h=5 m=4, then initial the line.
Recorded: h=11 m=7
